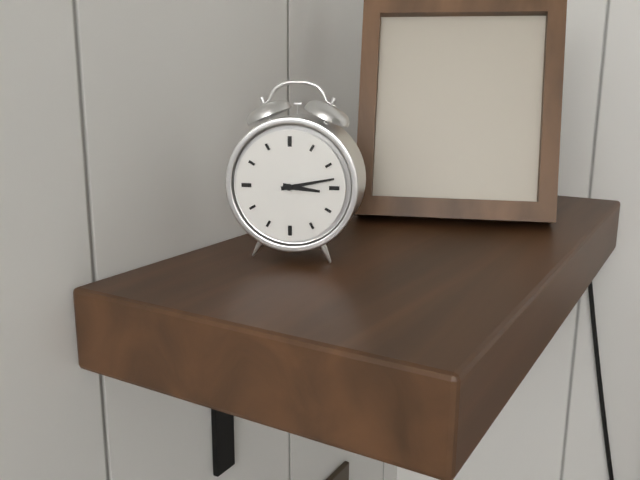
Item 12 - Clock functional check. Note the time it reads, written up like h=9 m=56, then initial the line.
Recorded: h=3 m=13
